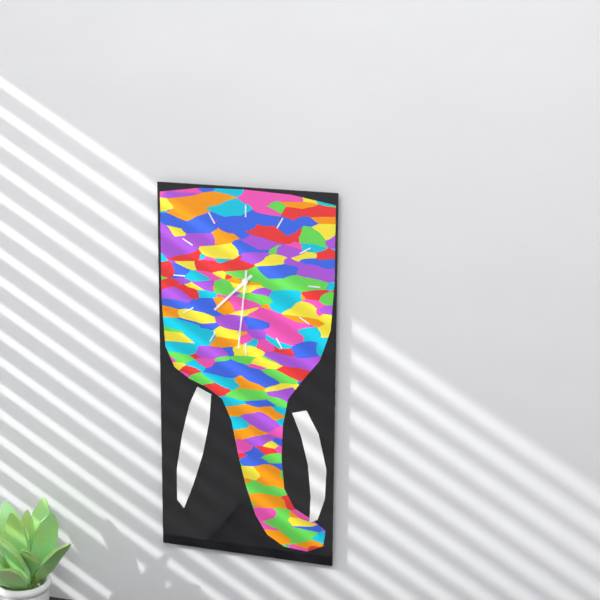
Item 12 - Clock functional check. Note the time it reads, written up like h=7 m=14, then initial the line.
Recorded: h=7 m=31
